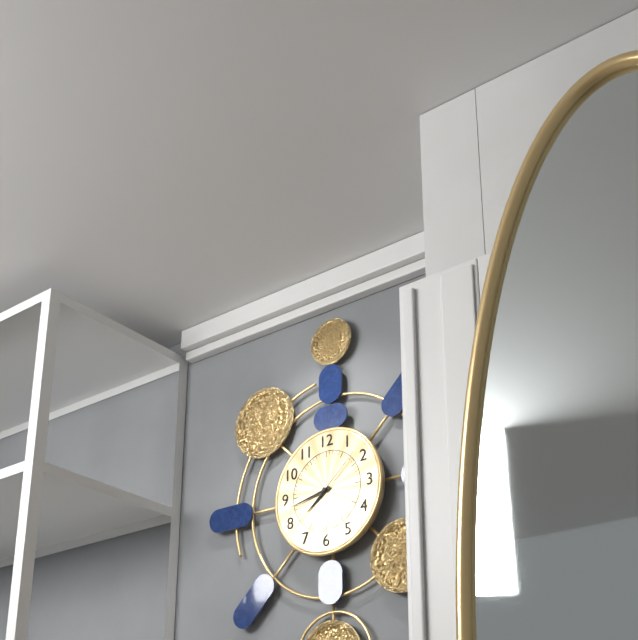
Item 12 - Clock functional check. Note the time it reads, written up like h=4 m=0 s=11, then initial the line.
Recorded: h=7 m=43 s=8
